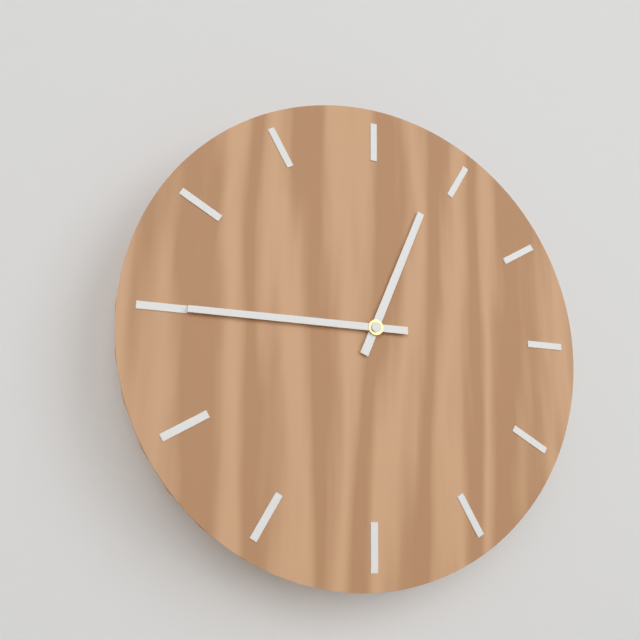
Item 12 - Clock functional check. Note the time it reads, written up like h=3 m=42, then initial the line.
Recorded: h=12 m=45
